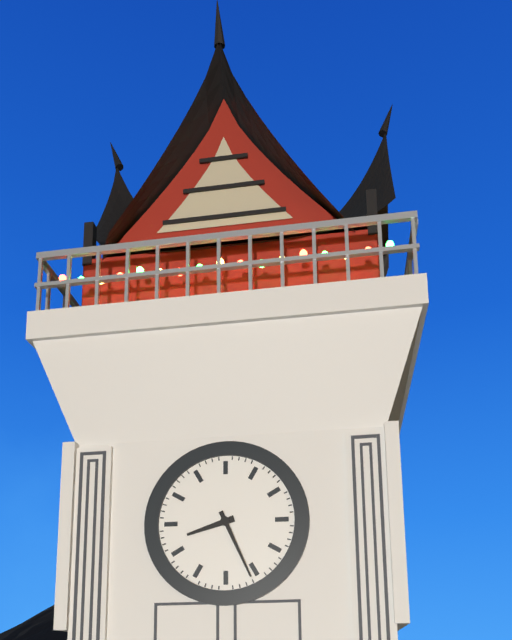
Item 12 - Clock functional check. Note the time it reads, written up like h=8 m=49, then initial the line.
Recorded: h=8 m=26
